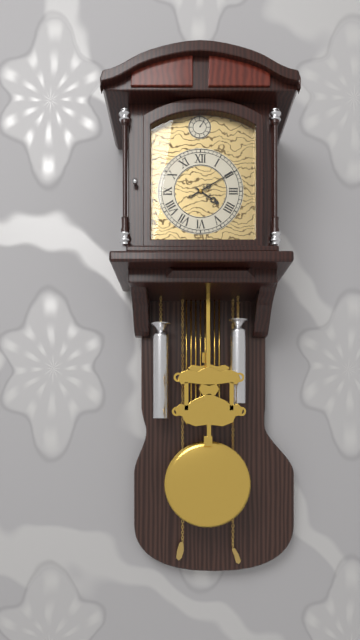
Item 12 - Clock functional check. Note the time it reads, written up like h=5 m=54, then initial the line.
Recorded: h=4 m=10
